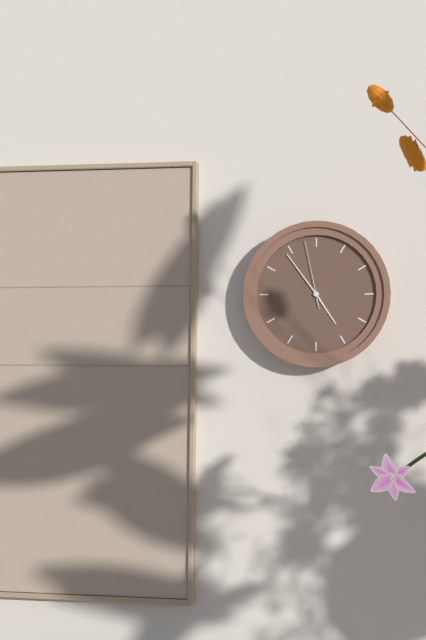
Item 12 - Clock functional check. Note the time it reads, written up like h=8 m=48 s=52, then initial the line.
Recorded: h=4 m=54 s=58
